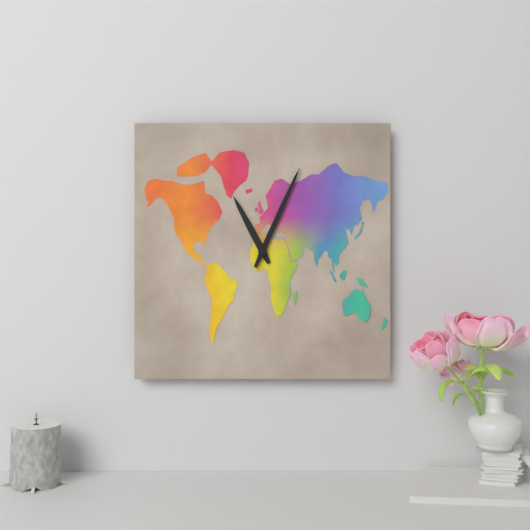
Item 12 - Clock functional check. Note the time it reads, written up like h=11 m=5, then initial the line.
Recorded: h=11 m=4
